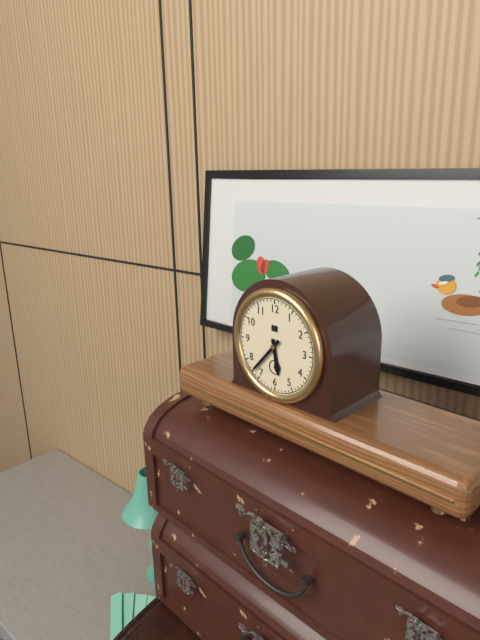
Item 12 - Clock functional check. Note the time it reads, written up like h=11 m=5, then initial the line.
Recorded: h=5 m=37
